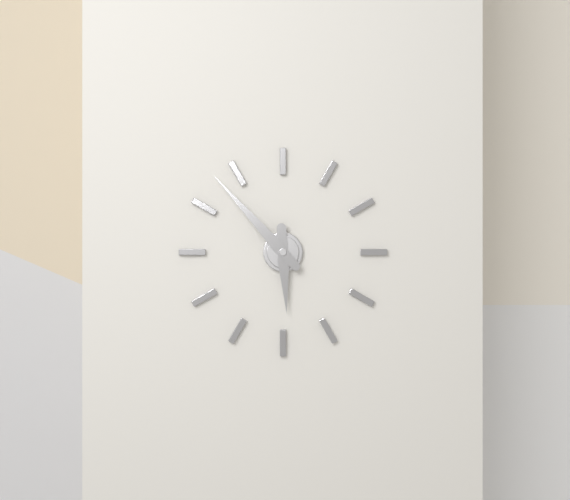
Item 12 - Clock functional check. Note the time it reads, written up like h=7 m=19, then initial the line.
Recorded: h=5 m=53
